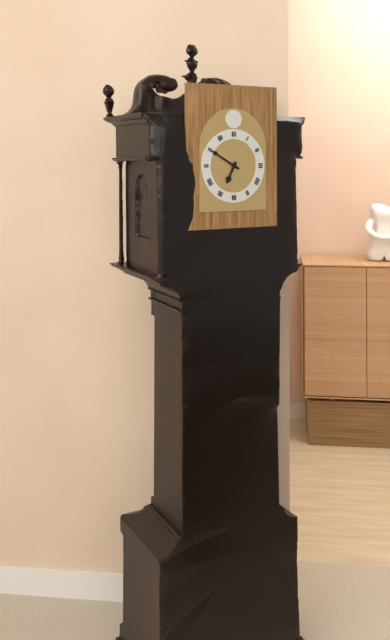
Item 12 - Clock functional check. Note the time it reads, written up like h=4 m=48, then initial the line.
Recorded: h=6 m=50
